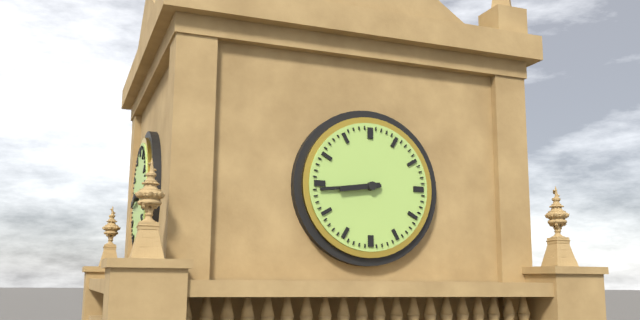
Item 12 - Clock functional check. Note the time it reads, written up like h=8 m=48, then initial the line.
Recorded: h=8 m=44
